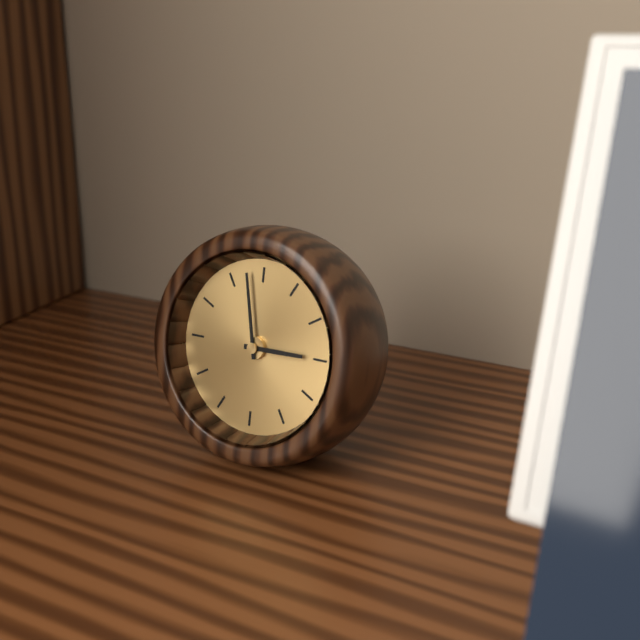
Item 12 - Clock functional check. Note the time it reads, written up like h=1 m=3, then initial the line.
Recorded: h=2 m=58
